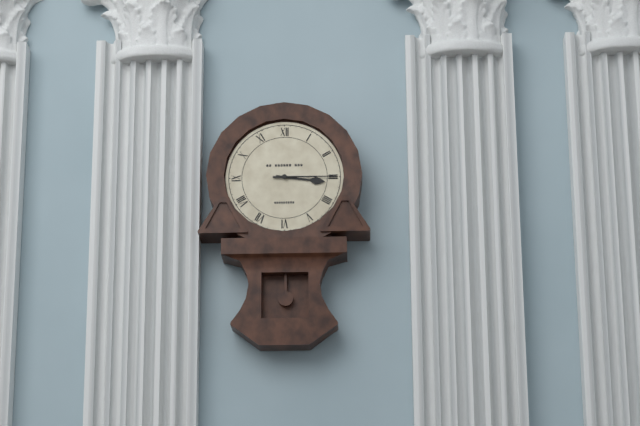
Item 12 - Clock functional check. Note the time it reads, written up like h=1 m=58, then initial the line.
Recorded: h=3 m=15
